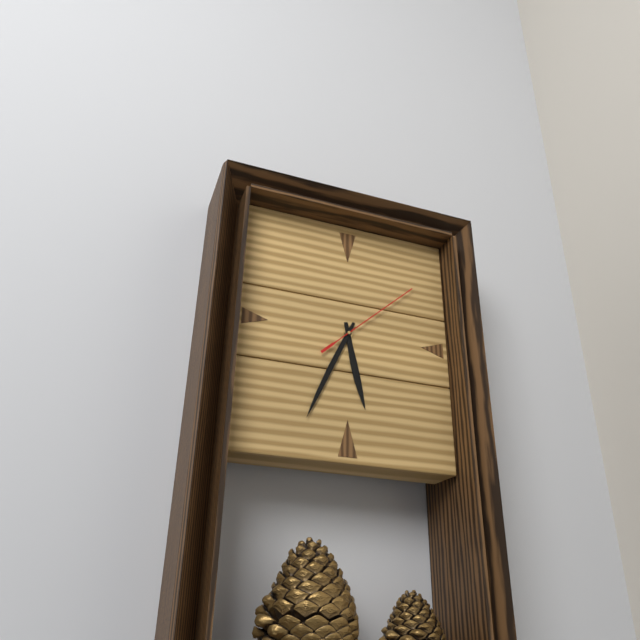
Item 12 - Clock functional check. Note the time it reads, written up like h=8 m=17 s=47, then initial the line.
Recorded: h=5 m=34 s=8
